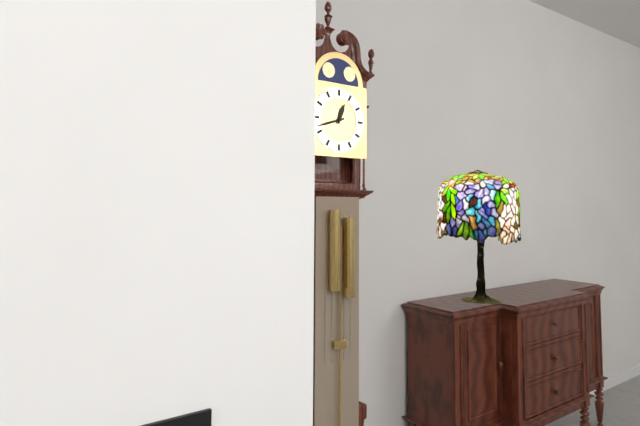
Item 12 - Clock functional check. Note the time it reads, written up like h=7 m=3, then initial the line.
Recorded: h=12 m=42
